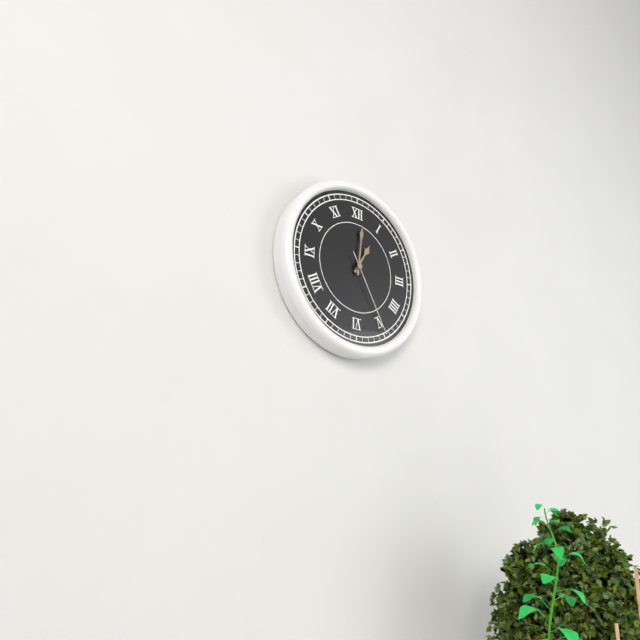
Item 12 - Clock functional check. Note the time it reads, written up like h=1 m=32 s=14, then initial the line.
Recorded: h=1 m=1 s=25
